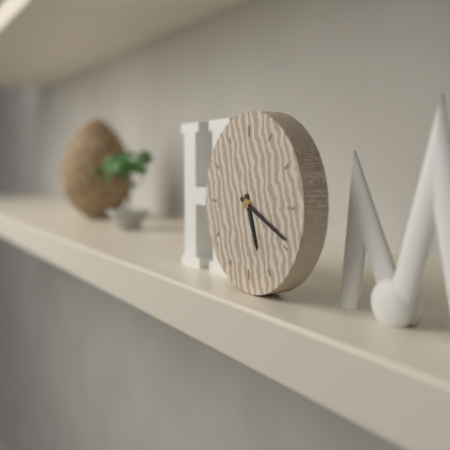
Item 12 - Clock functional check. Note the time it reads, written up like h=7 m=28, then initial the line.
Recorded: h=5 m=19
